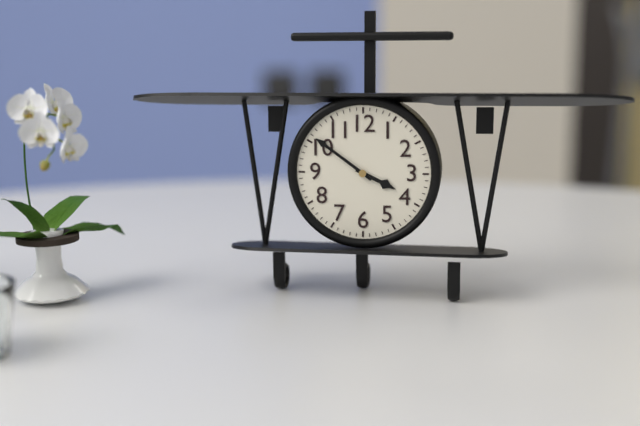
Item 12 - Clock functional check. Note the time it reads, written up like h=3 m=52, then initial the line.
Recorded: h=3 m=51
